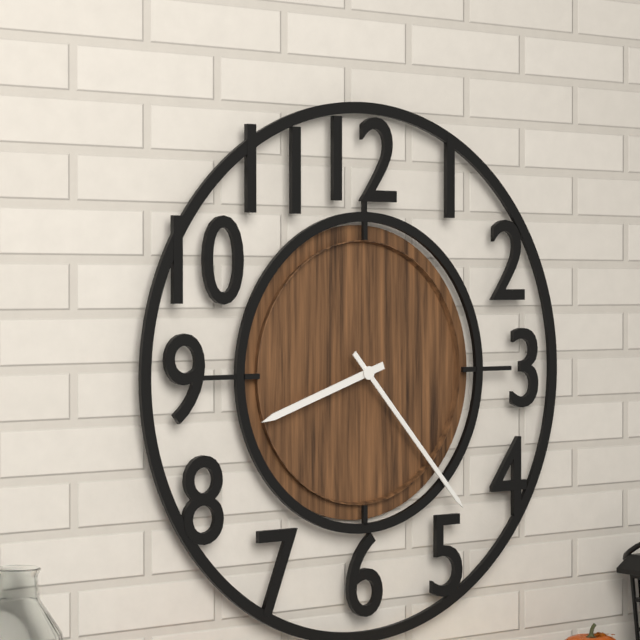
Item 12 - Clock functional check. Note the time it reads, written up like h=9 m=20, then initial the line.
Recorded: h=8 m=23
